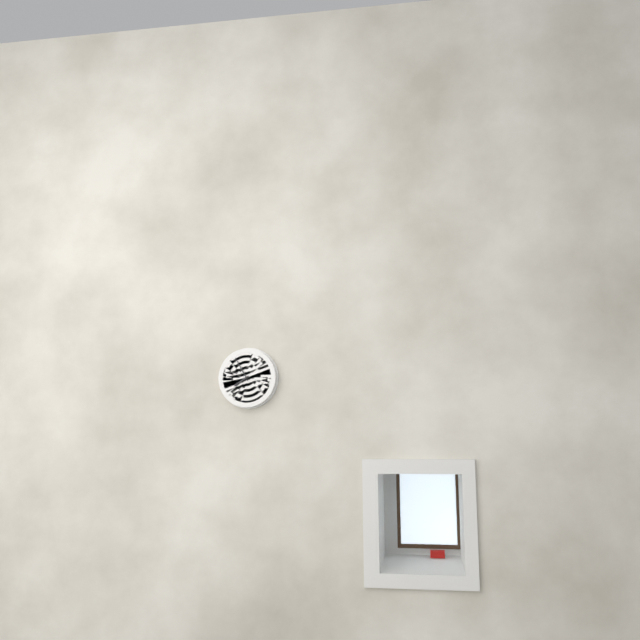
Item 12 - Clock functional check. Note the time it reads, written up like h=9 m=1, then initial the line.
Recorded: h=7 m=55
